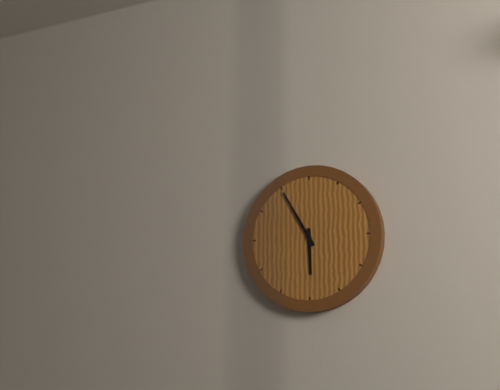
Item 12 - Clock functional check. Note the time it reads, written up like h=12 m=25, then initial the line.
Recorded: h=5 m=55
